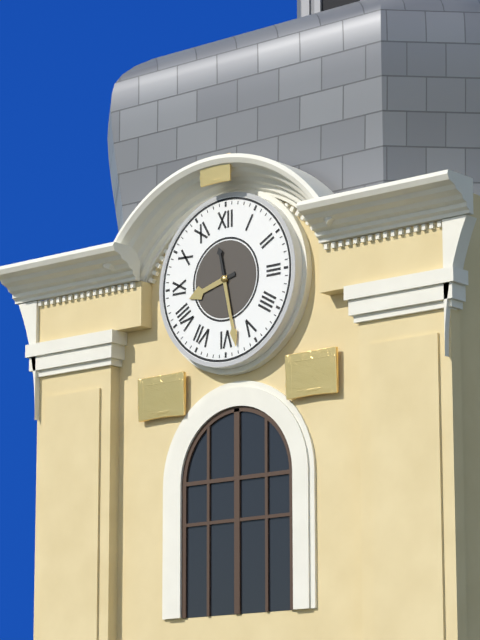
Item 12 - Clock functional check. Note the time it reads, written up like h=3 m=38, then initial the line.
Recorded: h=8 m=28
